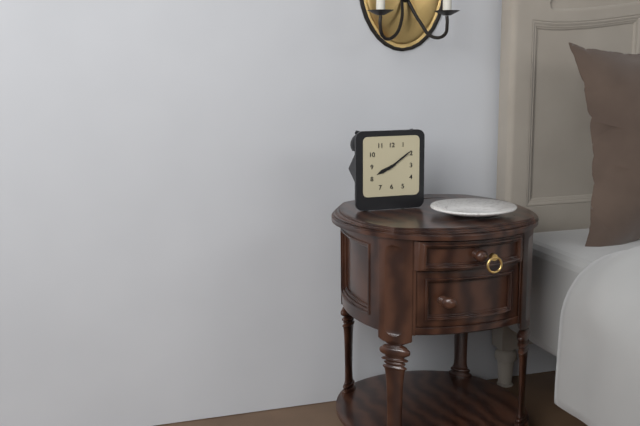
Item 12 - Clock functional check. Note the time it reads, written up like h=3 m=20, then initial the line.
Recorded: h=8 m=9
